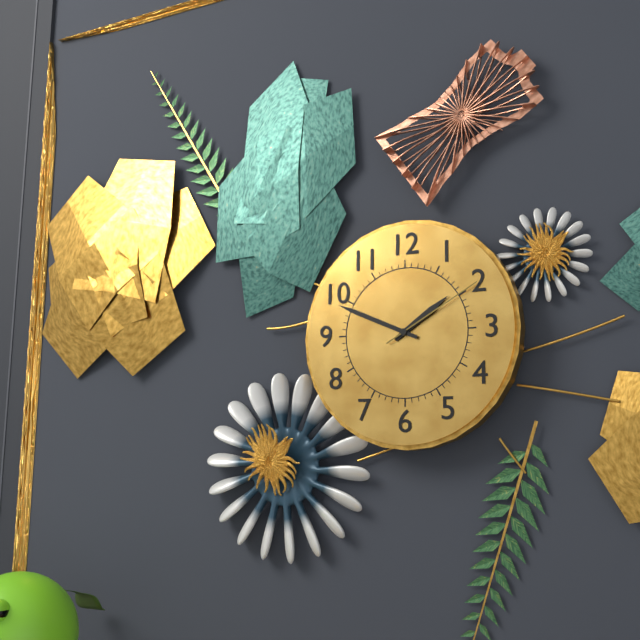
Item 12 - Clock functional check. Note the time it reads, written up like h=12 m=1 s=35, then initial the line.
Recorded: h=1 m=49 s=10
